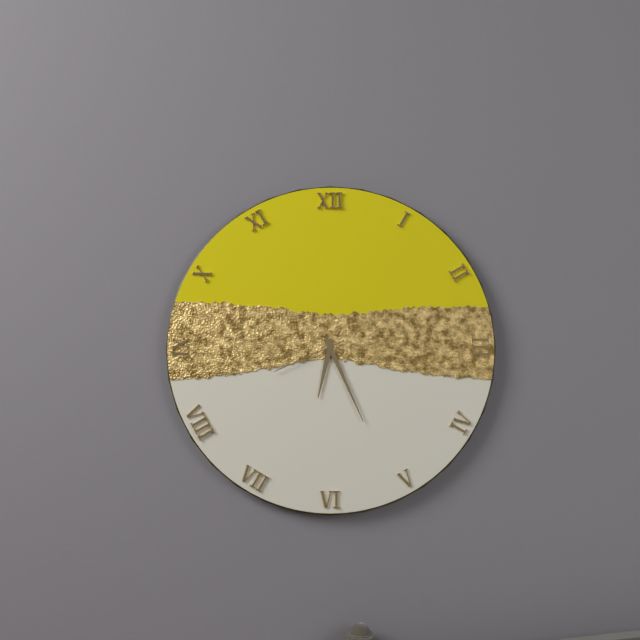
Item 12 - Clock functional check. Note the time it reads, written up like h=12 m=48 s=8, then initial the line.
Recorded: h=6 m=26 s=41
